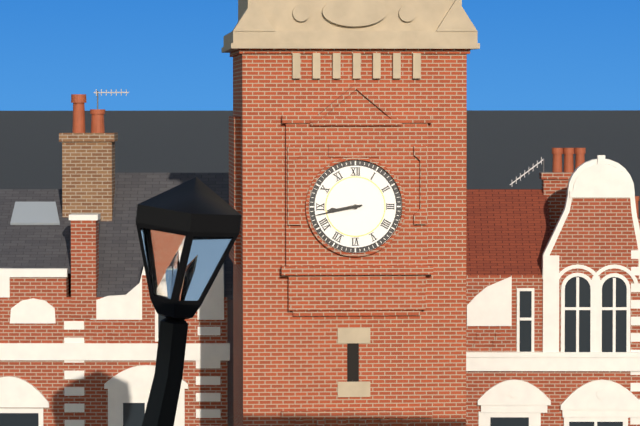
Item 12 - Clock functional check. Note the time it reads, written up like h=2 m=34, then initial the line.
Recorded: h=8 m=43
